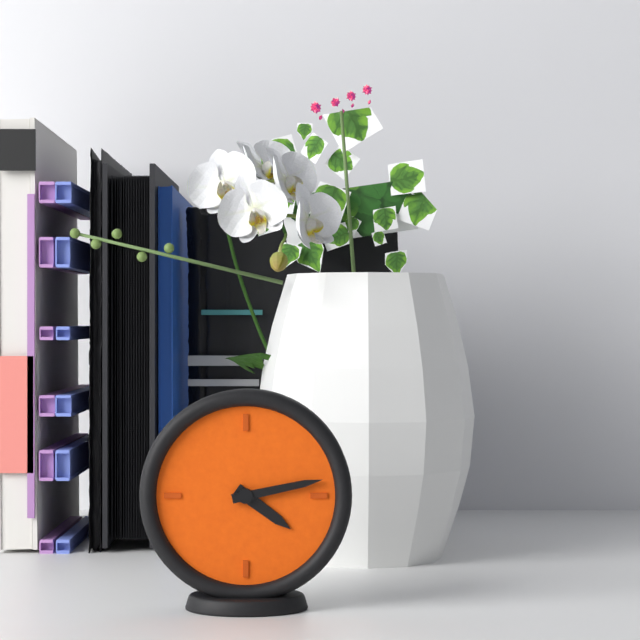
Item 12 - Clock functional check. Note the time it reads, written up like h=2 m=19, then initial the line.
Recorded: h=4 m=13
